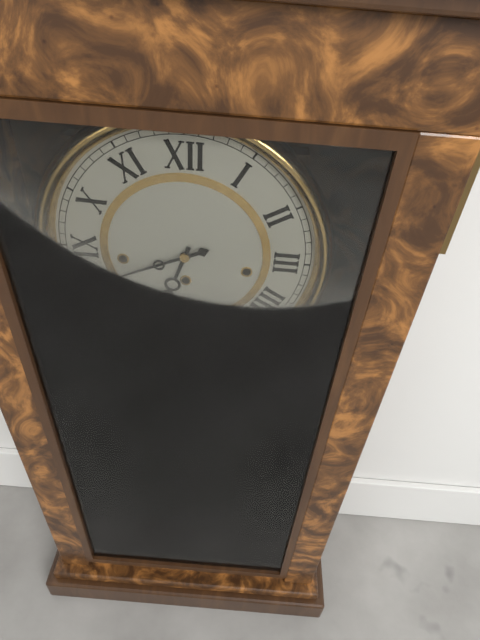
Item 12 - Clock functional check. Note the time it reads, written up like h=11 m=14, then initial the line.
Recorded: h=6 m=41
